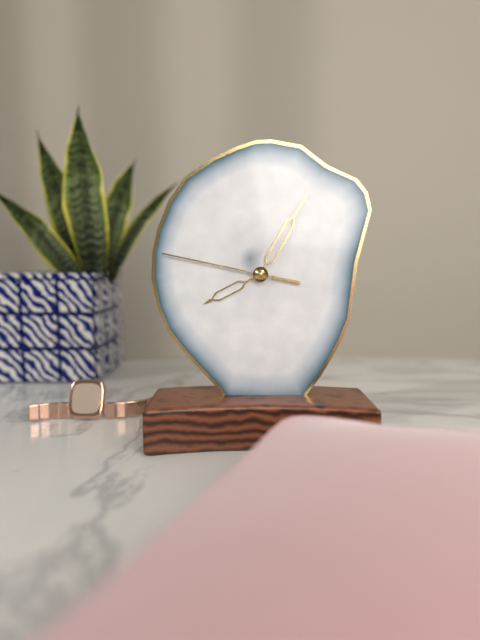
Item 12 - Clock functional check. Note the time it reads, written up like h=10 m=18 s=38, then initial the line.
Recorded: h=8 m=5 s=47
